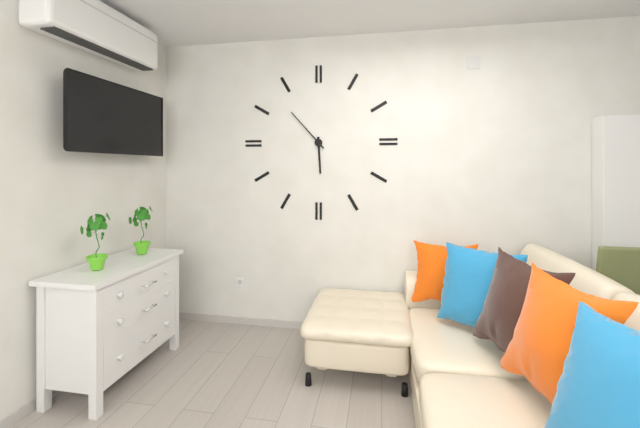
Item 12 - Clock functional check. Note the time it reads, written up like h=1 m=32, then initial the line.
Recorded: h=5 m=53
